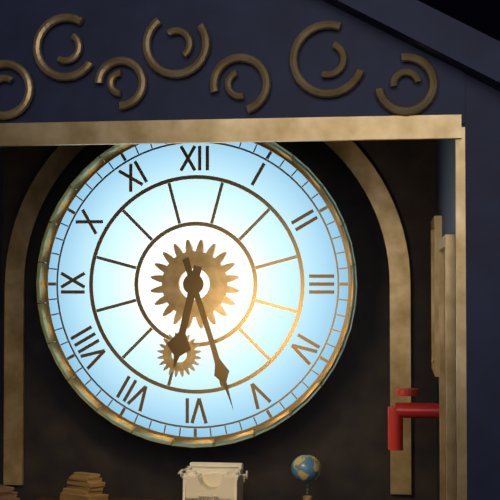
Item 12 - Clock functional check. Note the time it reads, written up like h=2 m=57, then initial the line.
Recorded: h=6 m=27
